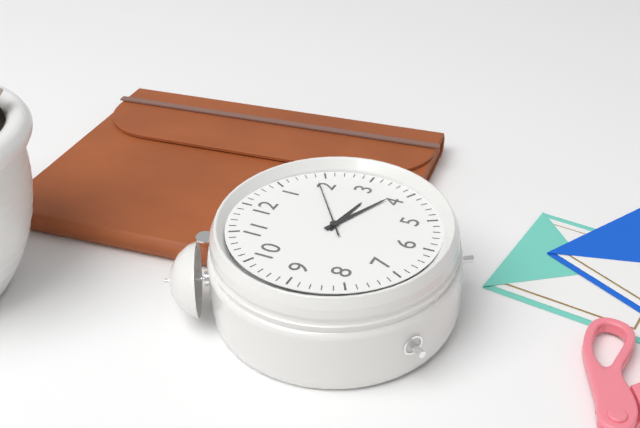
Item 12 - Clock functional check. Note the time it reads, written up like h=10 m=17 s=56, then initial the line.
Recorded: h=3 m=19 s=9
